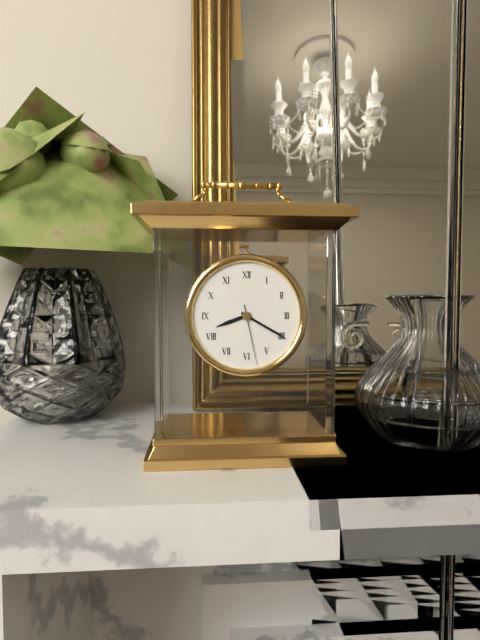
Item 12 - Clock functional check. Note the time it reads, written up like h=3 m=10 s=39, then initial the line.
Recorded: h=8 m=20 s=28
